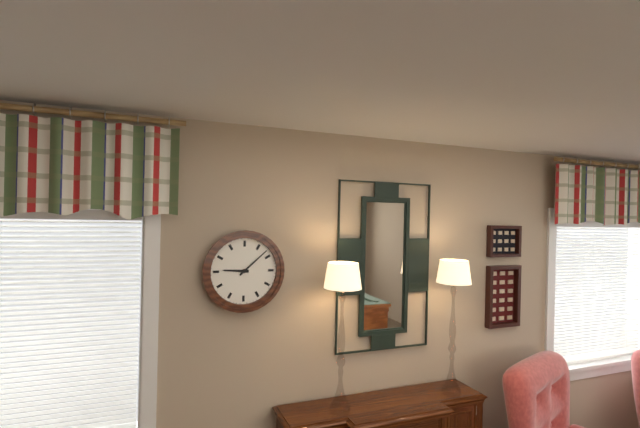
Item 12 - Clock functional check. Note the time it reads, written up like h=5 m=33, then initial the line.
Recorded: h=9 m=8
